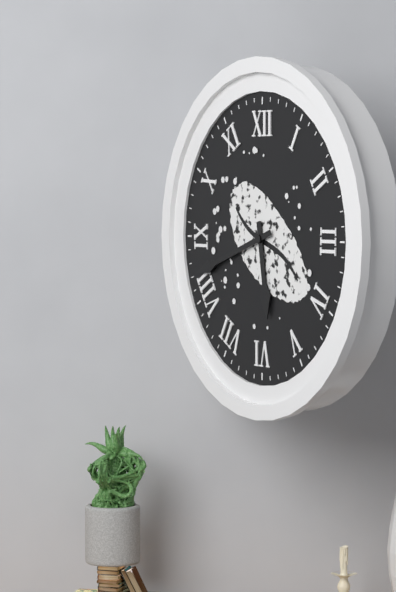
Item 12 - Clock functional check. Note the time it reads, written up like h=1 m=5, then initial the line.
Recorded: h=5 m=42
